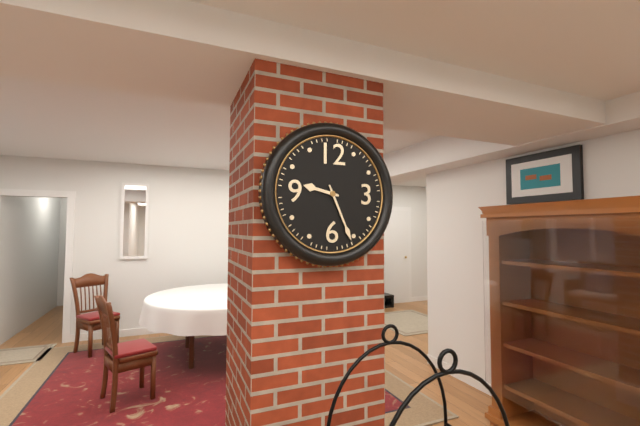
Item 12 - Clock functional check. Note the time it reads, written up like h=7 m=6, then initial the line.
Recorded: h=9 m=26
